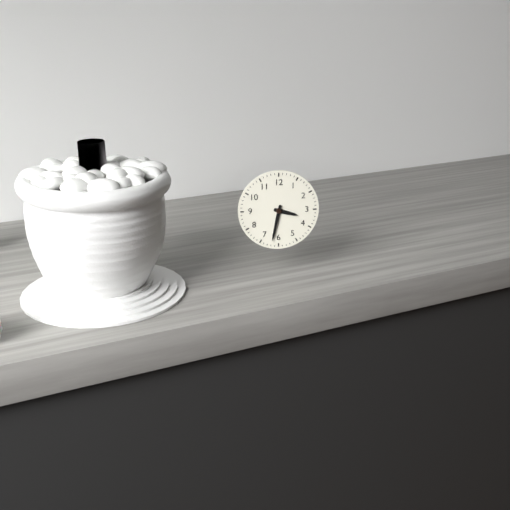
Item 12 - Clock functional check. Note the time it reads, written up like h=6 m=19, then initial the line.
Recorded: h=3 m=32
